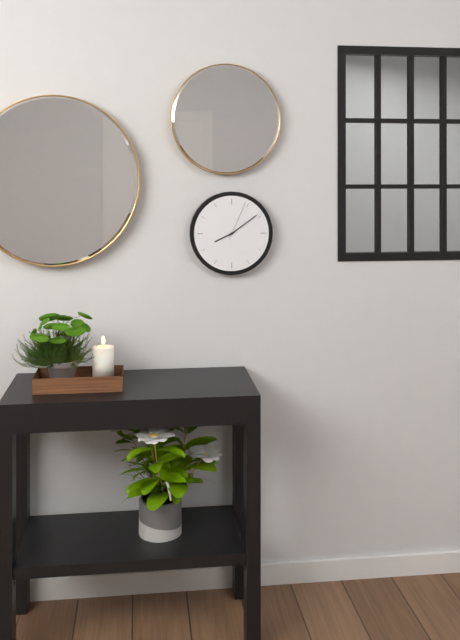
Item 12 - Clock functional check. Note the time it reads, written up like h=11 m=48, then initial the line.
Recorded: h=8 m=9
